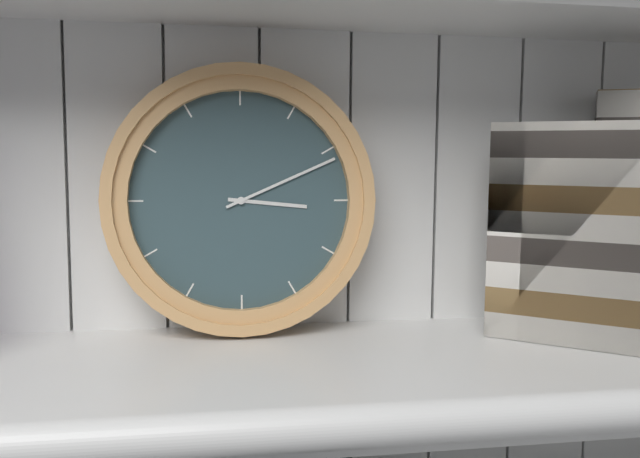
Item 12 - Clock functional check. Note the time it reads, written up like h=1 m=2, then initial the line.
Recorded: h=3 m=11
